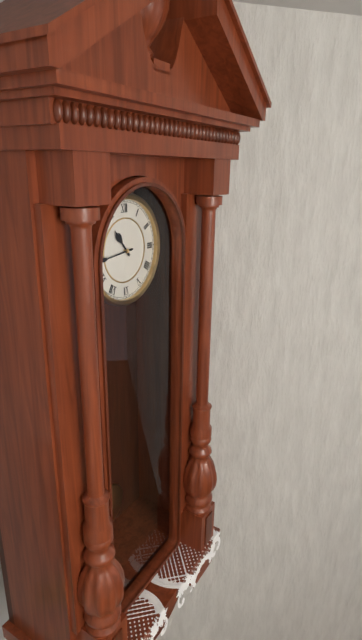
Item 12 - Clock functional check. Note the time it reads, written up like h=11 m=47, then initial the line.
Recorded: h=10 m=44
